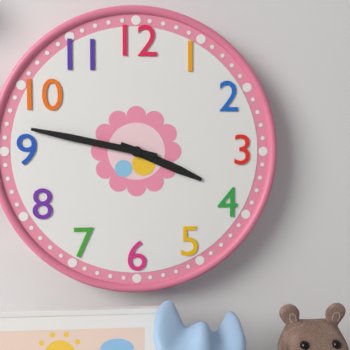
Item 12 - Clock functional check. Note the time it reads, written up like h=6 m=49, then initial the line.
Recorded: h=3 m=47
